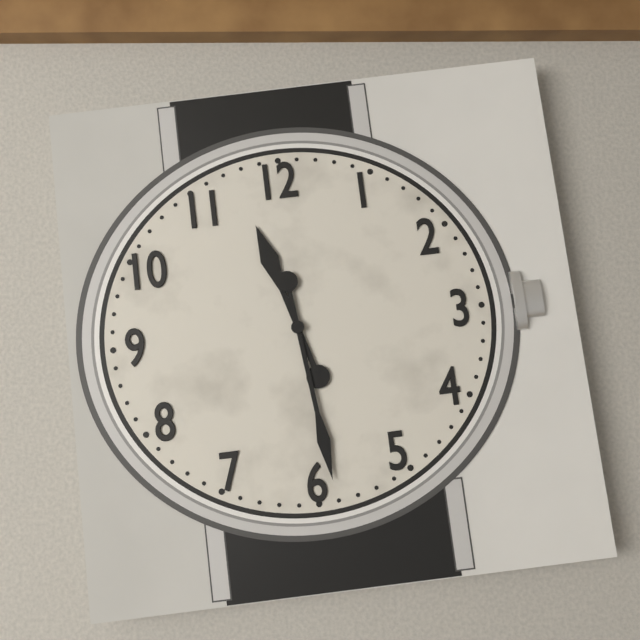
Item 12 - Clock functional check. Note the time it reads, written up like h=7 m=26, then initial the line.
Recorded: h=11 m=29
